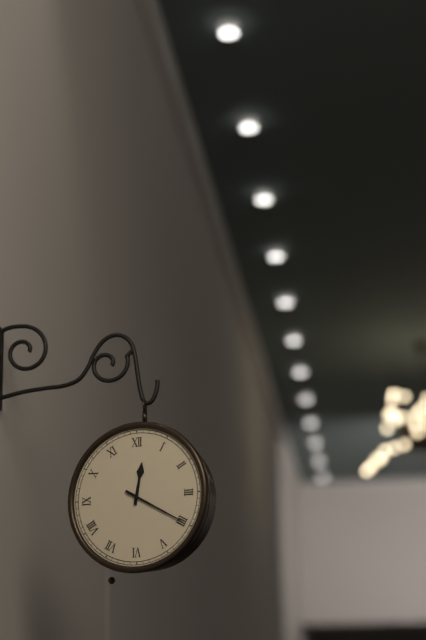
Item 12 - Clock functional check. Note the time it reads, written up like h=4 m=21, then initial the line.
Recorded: h=12 m=20
